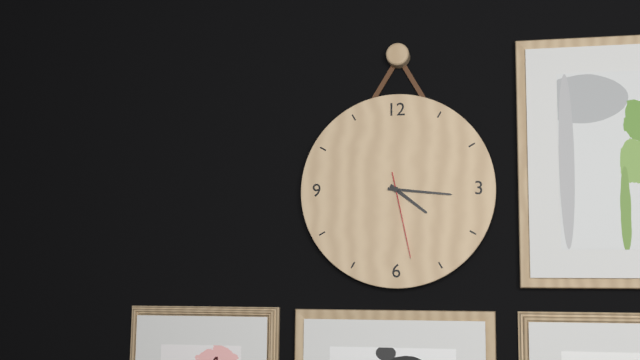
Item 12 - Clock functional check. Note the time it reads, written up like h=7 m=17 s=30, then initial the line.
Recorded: h=4 m=16 s=28
